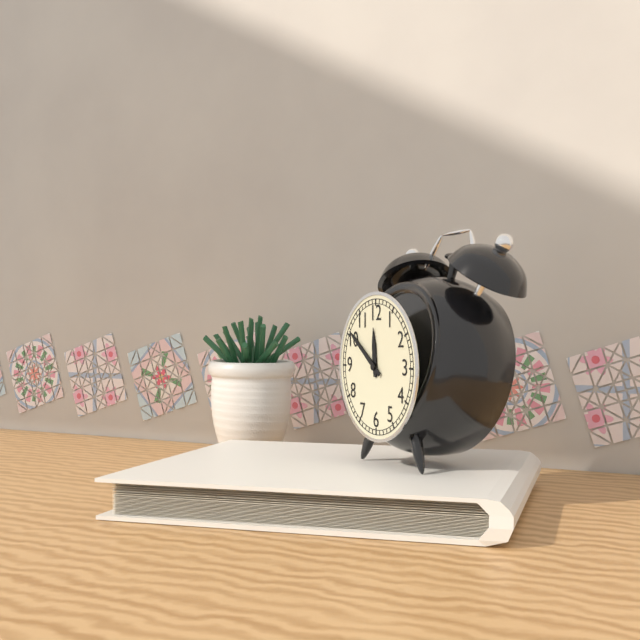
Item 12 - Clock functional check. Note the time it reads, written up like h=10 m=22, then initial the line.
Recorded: h=11 m=51
